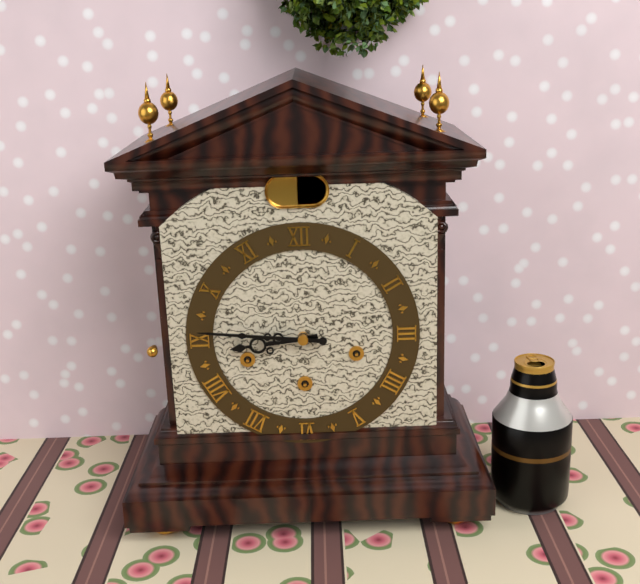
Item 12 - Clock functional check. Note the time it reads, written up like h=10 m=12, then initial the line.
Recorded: h=8 m=46
